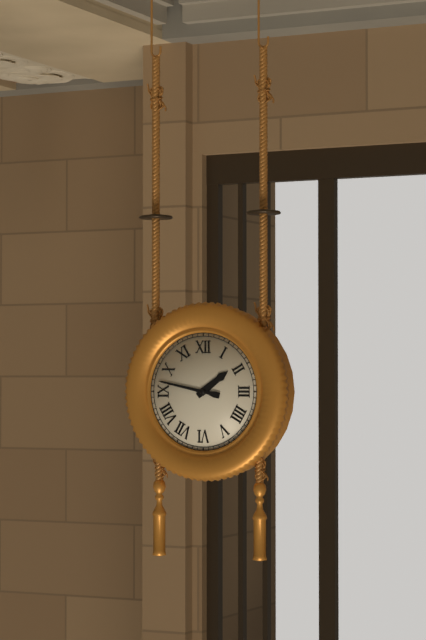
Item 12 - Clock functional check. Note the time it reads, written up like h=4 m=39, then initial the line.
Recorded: h=1 m=47
